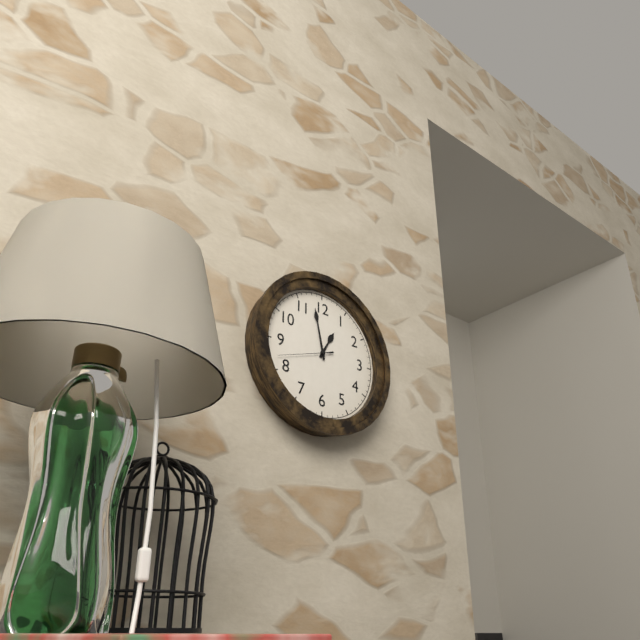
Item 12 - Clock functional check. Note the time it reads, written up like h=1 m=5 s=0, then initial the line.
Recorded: h=12 m=58 s=42
